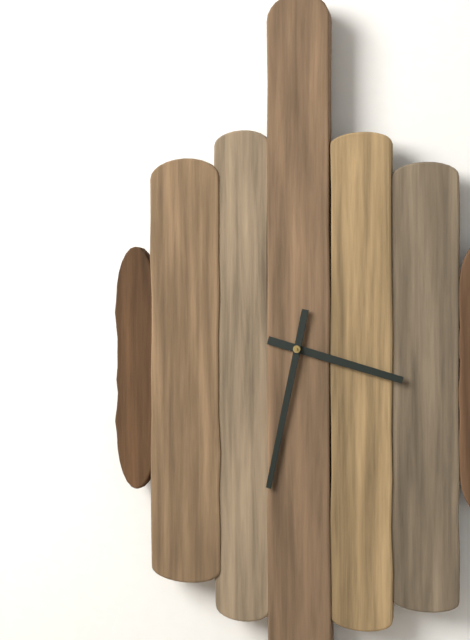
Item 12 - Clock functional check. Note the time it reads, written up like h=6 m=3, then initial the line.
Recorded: h=3 m=32
